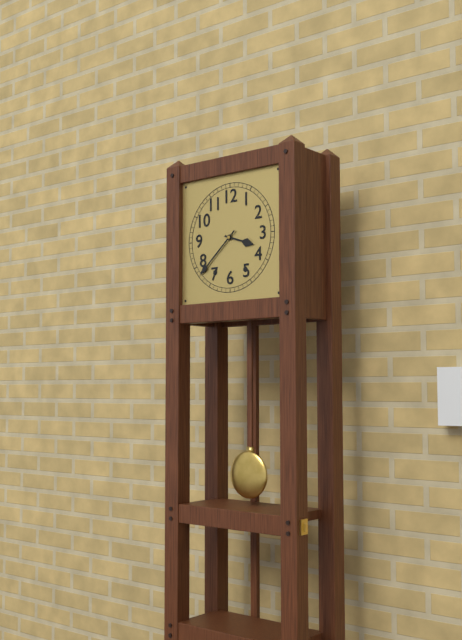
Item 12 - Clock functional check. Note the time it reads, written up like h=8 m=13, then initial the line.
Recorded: h=3 m=38
